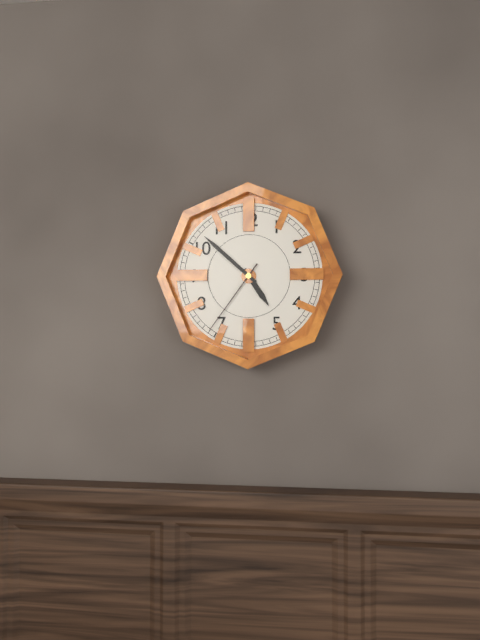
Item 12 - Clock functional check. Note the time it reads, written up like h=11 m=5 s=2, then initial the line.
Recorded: h=4 m=52 s=36
